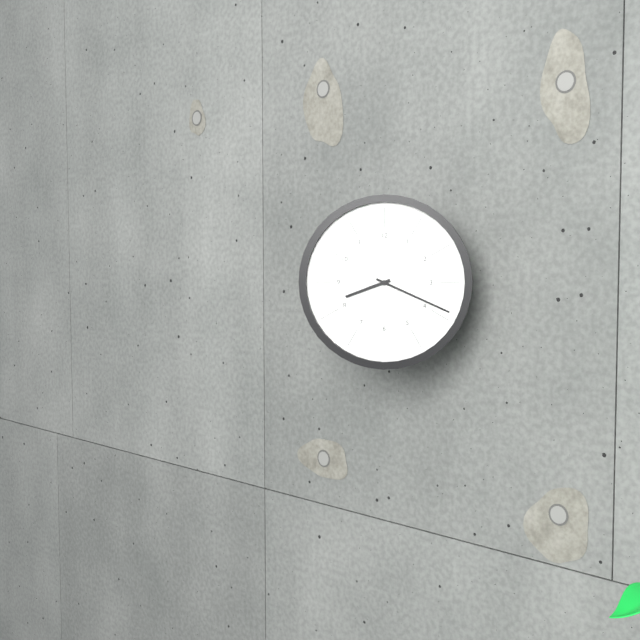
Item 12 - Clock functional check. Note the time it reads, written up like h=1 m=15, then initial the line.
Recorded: h=8 m=19
